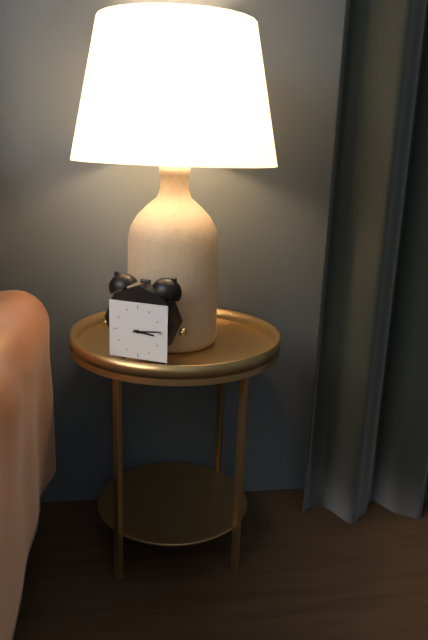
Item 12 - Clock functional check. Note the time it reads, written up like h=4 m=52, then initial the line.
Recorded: h=3 m=14
